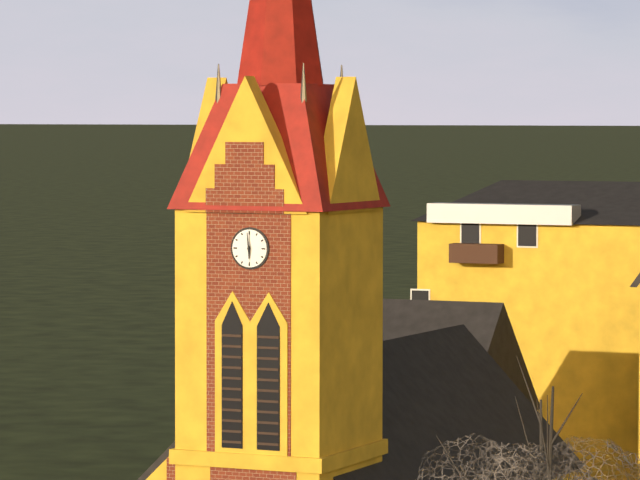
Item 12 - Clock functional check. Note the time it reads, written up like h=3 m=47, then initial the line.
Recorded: h=5 m=59
